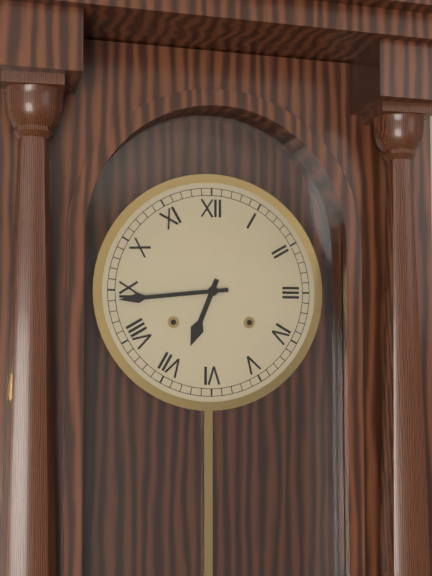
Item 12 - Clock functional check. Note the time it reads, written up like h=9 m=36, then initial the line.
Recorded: h=6 m=44
